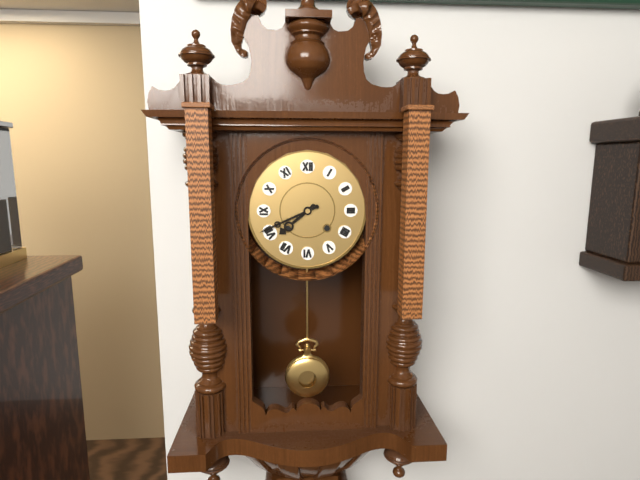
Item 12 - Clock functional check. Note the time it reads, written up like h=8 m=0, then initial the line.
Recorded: h=7 m=41
